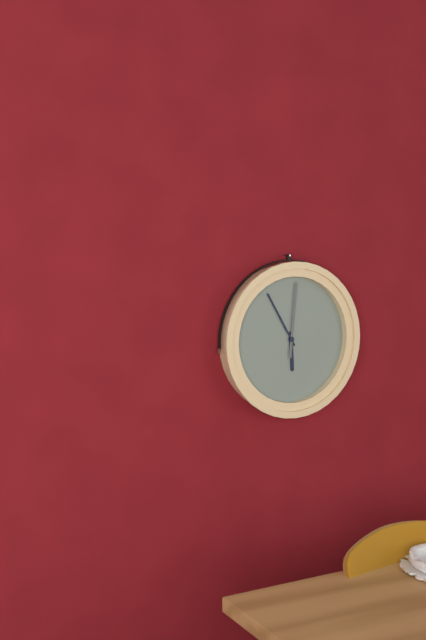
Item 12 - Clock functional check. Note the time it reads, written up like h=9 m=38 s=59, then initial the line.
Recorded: h=5 m=55 s=1
